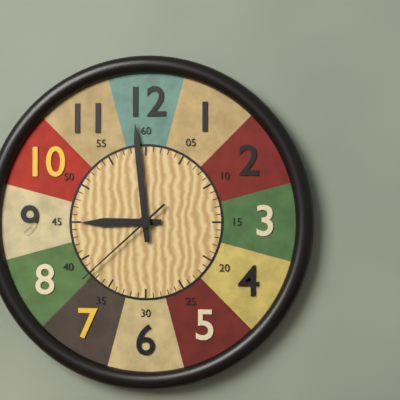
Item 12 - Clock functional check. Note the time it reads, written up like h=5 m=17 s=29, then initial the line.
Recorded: h=8 m=59 s=38
